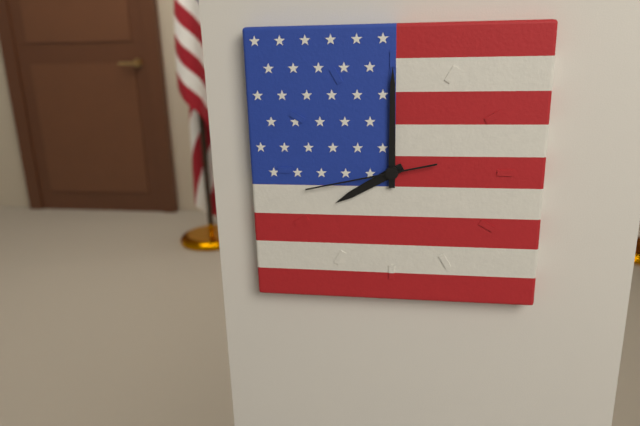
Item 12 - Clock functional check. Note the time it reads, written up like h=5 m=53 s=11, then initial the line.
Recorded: h=8 m=0 s=43
